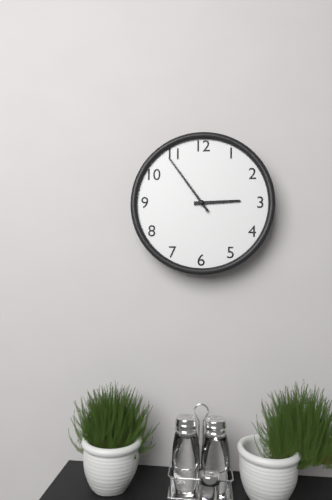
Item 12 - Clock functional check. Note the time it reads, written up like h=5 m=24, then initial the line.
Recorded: h=2 m=54
